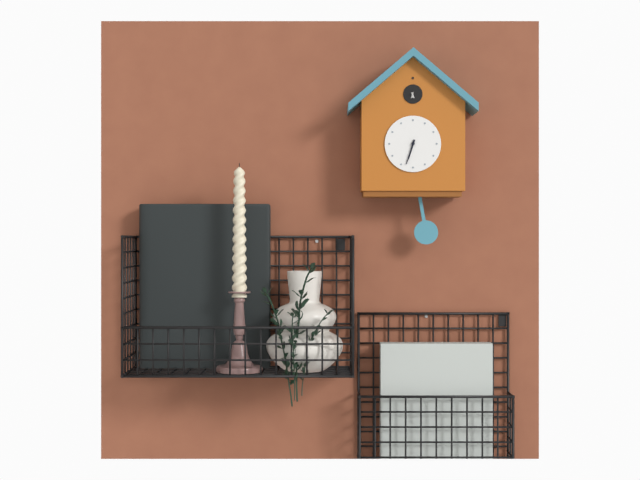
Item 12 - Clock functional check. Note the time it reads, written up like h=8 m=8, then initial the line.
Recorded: h=6 m=33
